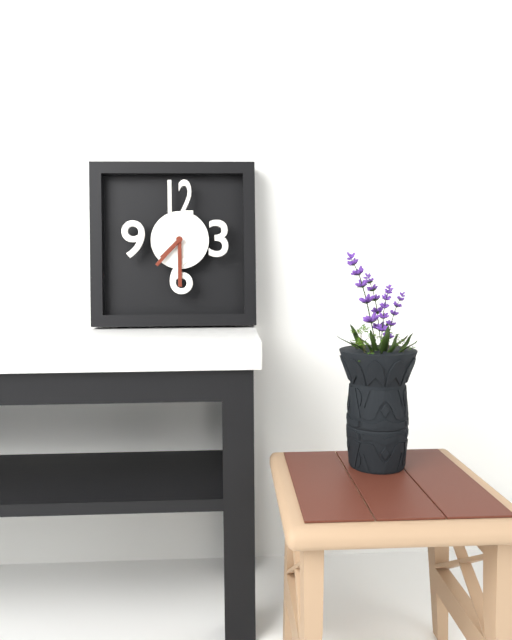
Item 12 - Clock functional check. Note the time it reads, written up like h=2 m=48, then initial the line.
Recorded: h=7 m=30
